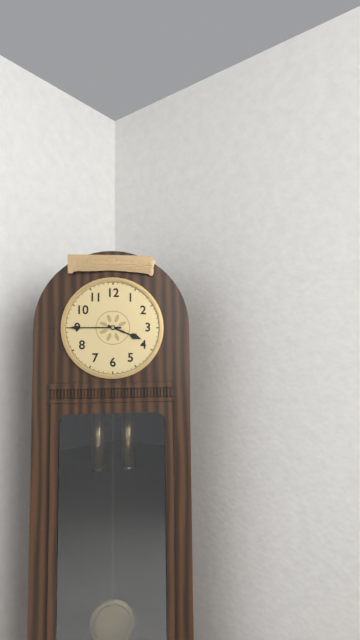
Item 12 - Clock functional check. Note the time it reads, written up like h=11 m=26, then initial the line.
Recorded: h=3 m=45
